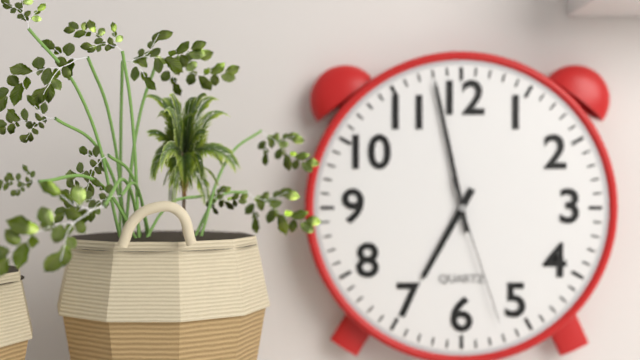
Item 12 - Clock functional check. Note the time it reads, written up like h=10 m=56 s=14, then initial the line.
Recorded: h=6 m=58 s=27
